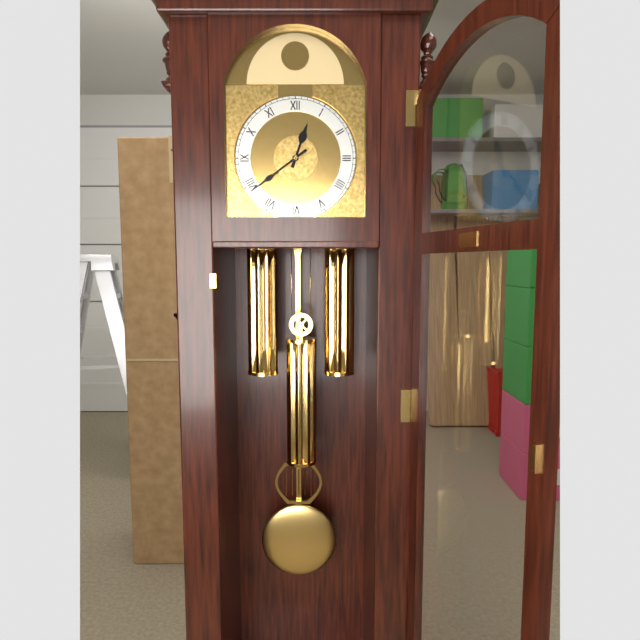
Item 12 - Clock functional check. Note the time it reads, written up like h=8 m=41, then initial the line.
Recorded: h=12 m=39
